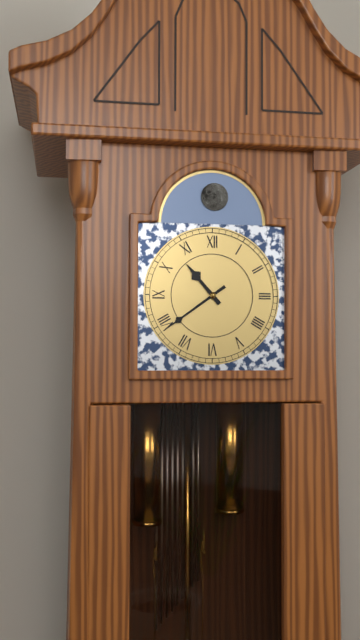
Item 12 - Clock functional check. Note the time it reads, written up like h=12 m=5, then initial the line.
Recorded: h=10 m=39
